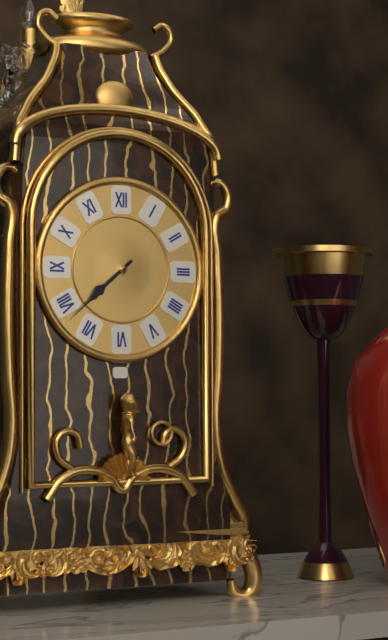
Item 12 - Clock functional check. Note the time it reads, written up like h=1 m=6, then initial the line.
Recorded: h=7 m=38
